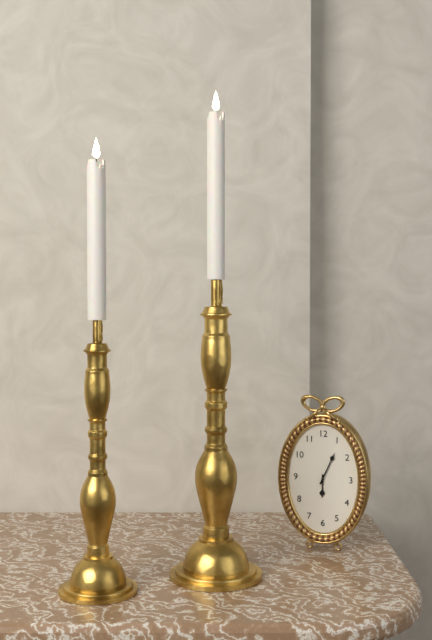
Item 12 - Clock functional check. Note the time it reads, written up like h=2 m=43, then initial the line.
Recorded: h=6 m=4
